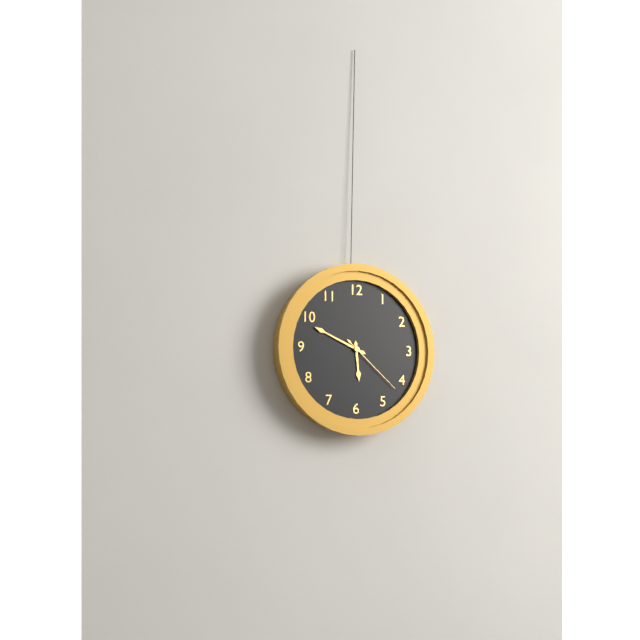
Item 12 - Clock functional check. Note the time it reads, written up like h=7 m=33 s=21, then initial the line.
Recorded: h=5 m=49 s=22
